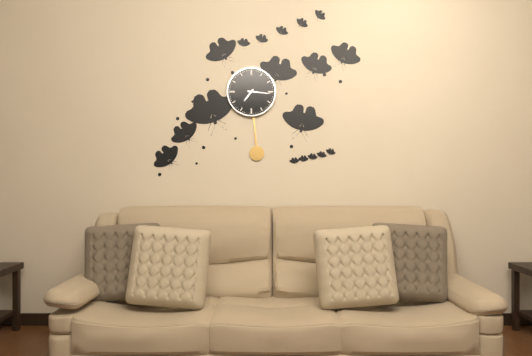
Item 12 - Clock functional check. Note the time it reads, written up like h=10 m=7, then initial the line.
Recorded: h=7 m=16
